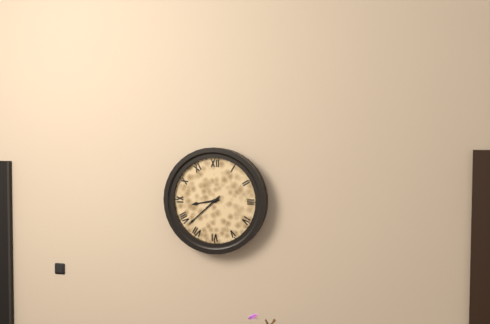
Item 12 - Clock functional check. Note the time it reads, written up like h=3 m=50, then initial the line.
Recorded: h=8 m=38
